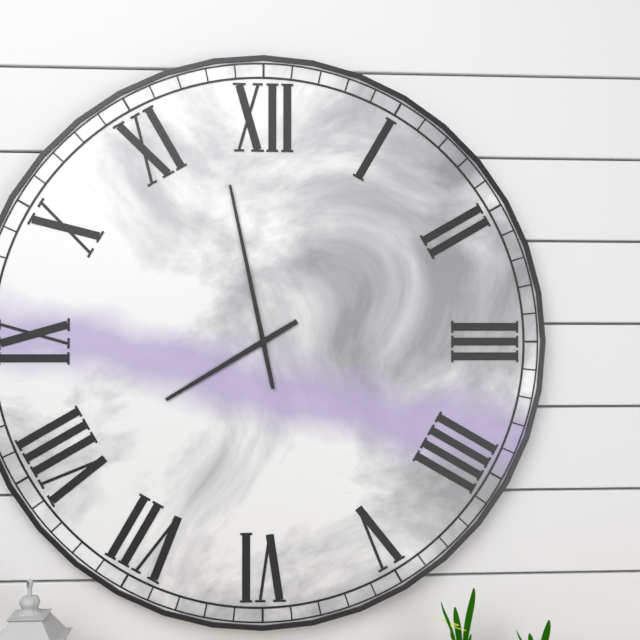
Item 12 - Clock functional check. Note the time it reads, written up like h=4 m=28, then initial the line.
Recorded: h=7 m=58
